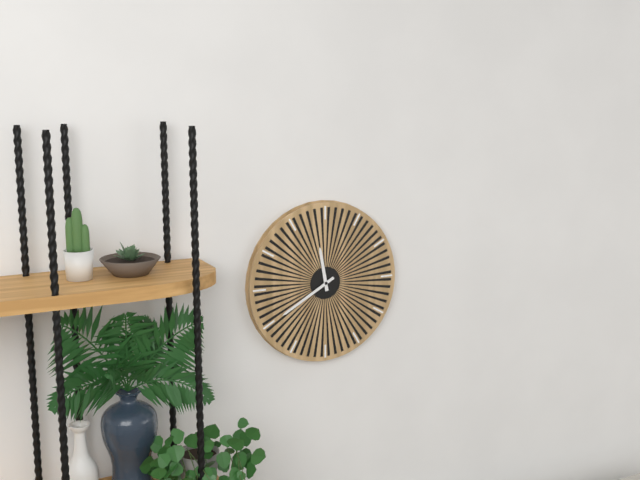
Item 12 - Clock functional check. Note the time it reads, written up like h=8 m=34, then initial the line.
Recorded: h=11 m=40
